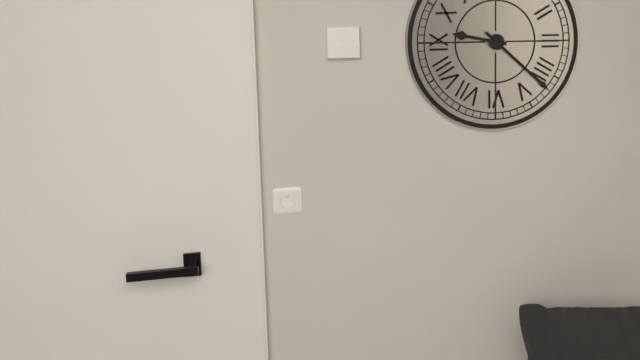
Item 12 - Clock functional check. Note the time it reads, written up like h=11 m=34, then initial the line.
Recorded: h=9 m=22
